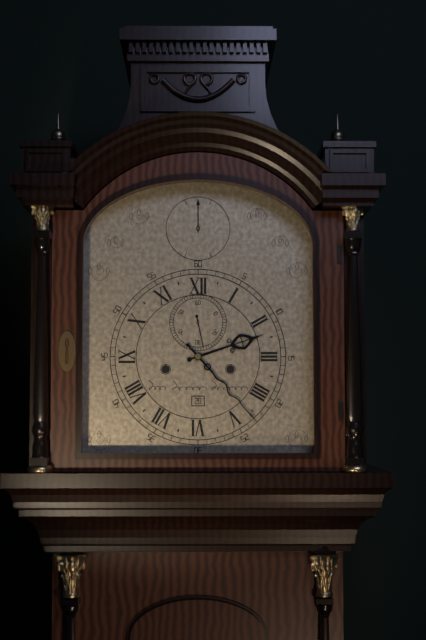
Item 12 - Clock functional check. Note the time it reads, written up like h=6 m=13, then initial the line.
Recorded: h=2 m=23
